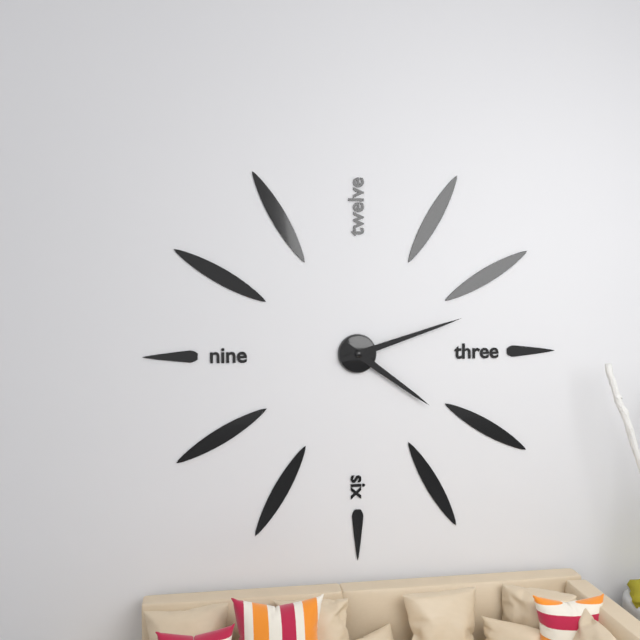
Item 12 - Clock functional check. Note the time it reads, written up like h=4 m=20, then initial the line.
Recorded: h=4 m=12
